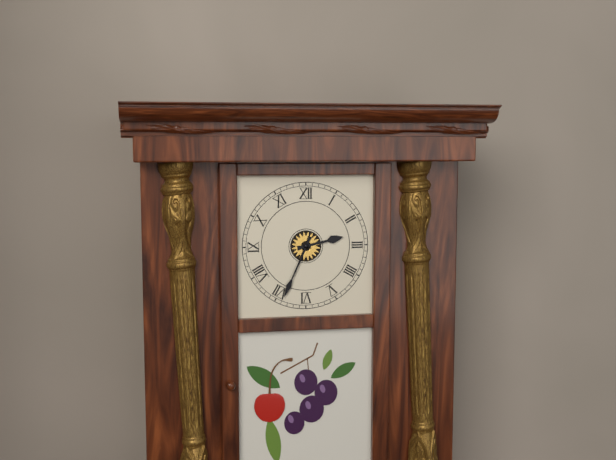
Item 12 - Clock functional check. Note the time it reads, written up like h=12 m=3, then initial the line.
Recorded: h=2 m=34
